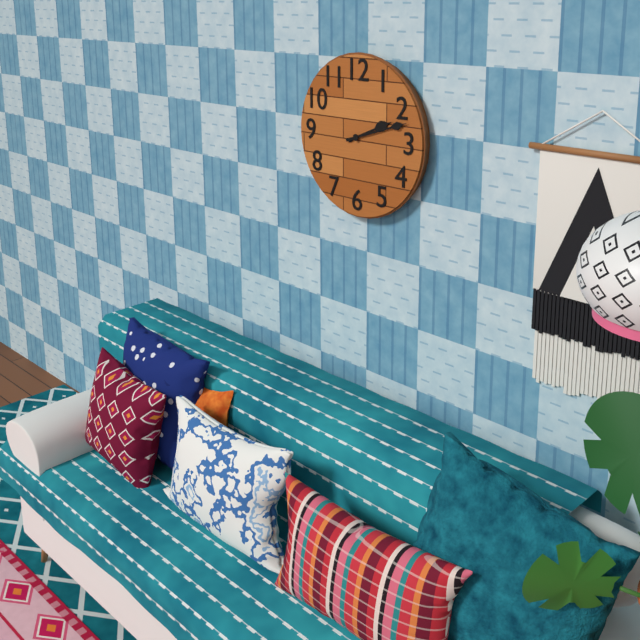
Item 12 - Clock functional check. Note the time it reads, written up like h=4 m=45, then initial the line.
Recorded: h=2 m=12
